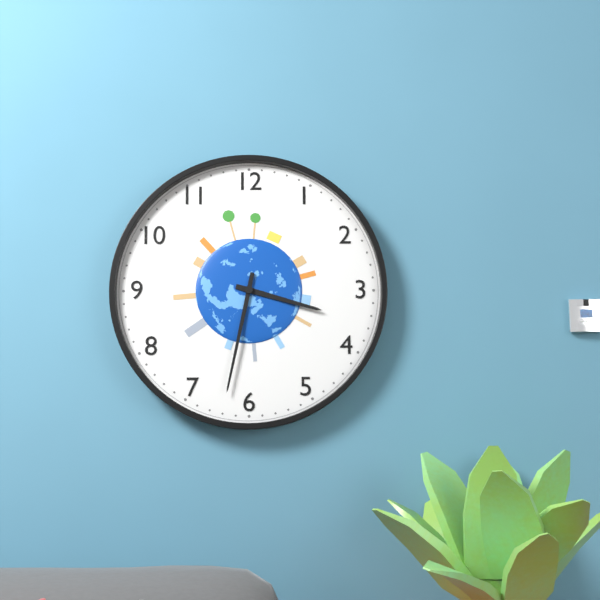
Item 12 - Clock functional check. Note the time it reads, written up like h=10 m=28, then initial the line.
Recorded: h=3 m=32
